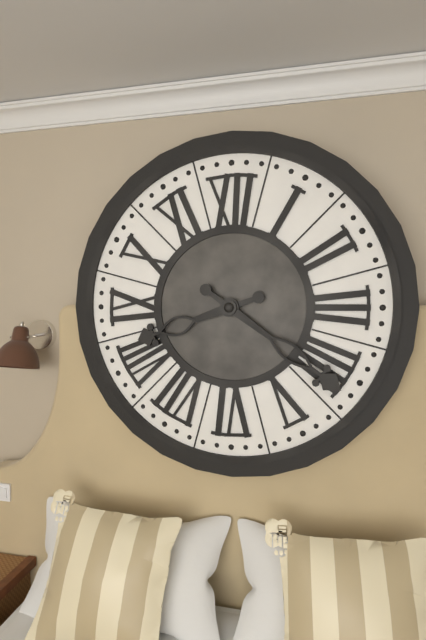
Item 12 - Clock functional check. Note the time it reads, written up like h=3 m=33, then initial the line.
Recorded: h=8 m=21
